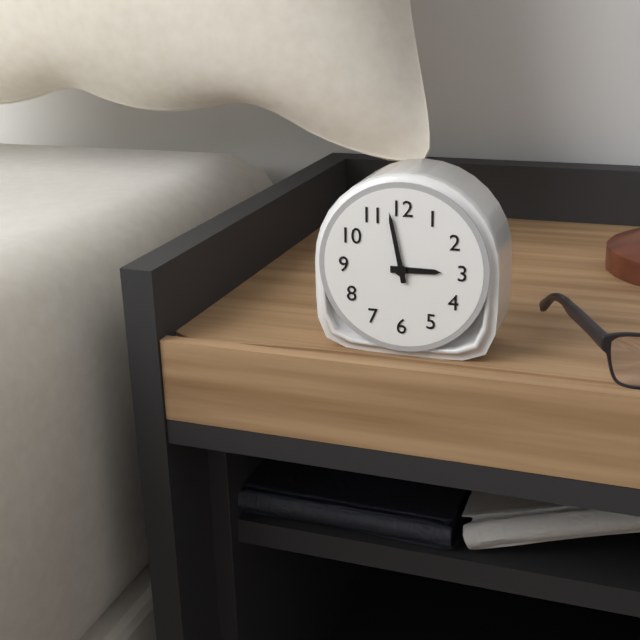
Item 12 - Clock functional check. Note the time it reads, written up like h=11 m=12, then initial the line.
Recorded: h=2 m=58
